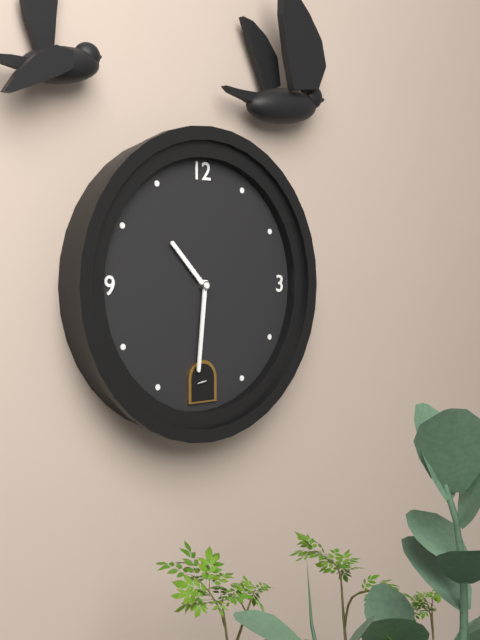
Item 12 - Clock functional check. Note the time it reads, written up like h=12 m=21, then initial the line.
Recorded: h=10 m=31
